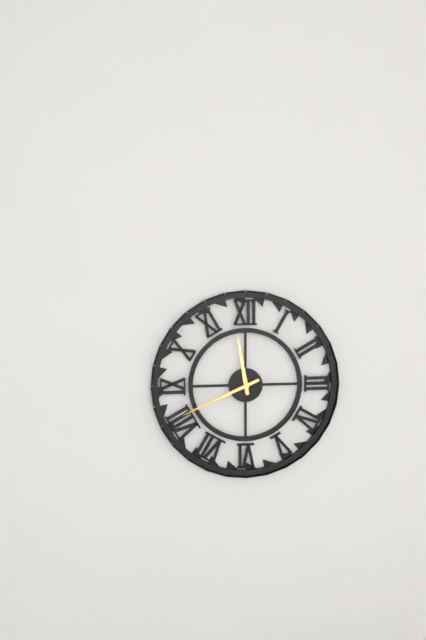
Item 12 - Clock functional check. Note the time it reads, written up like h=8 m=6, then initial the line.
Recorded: h=11 m=41
